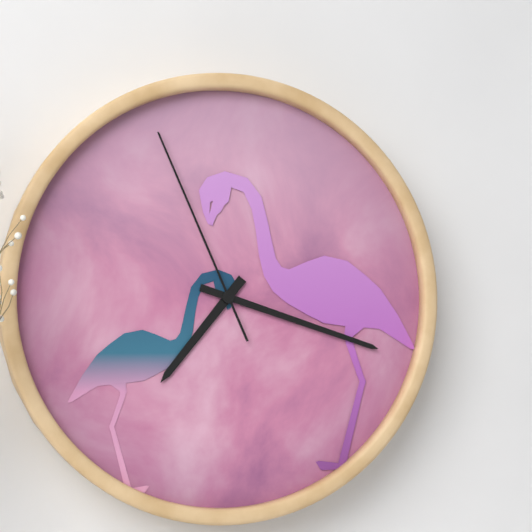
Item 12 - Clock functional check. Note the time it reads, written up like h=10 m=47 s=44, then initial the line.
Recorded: h=7 m=18 s=56
